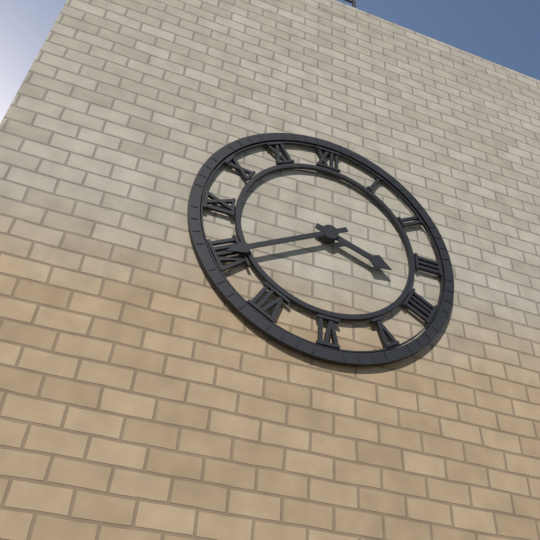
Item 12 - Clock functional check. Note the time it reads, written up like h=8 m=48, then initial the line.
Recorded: h=3 m=40
